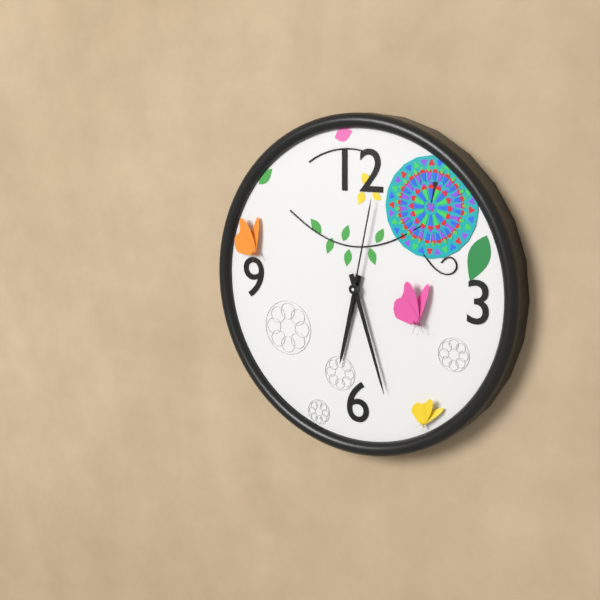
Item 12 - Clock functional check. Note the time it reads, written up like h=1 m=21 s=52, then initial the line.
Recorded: h=6 m=27 s=2
